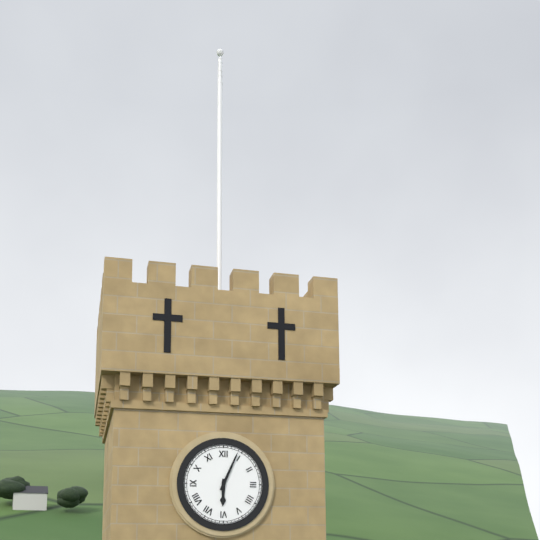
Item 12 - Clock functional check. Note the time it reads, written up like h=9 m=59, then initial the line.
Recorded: h=6 m=4
